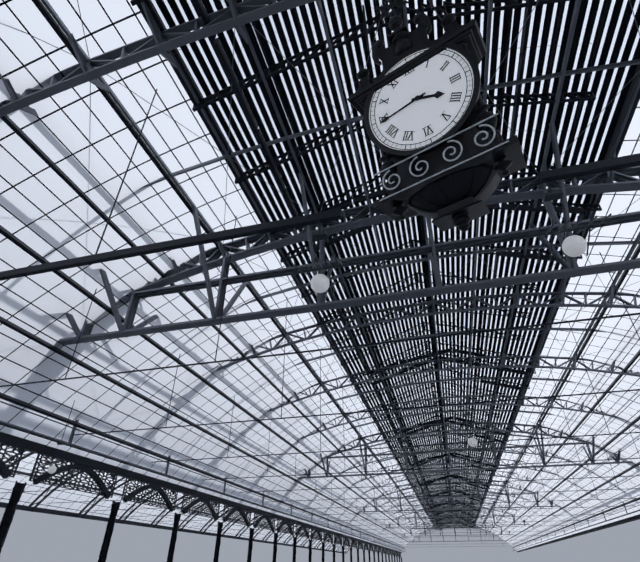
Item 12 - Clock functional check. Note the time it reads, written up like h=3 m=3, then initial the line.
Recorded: h=3 m=44
